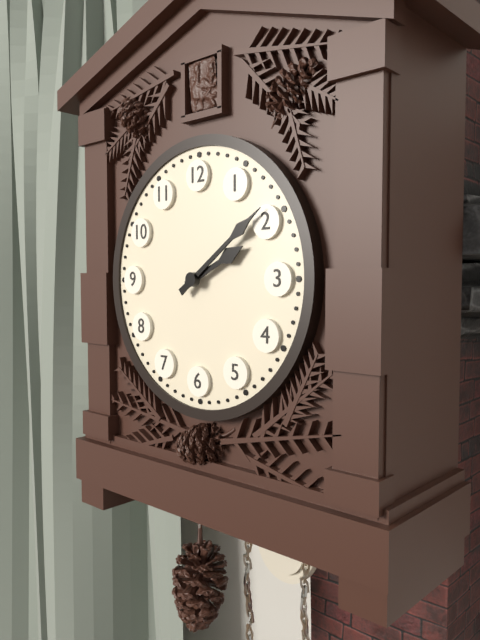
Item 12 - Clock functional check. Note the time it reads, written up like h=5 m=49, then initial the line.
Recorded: h=2 m=9
